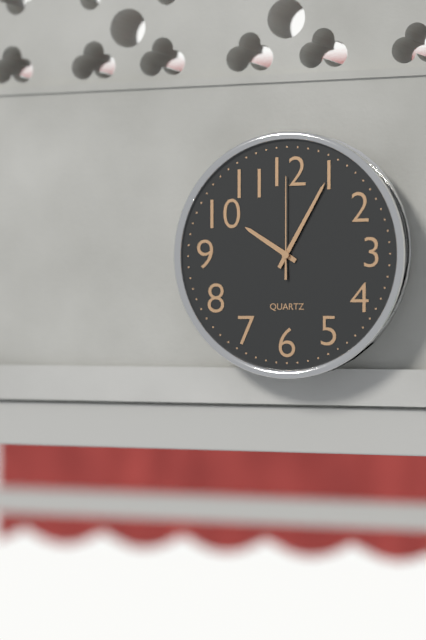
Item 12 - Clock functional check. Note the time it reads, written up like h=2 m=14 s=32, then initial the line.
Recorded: h=10 m=5 s=0
